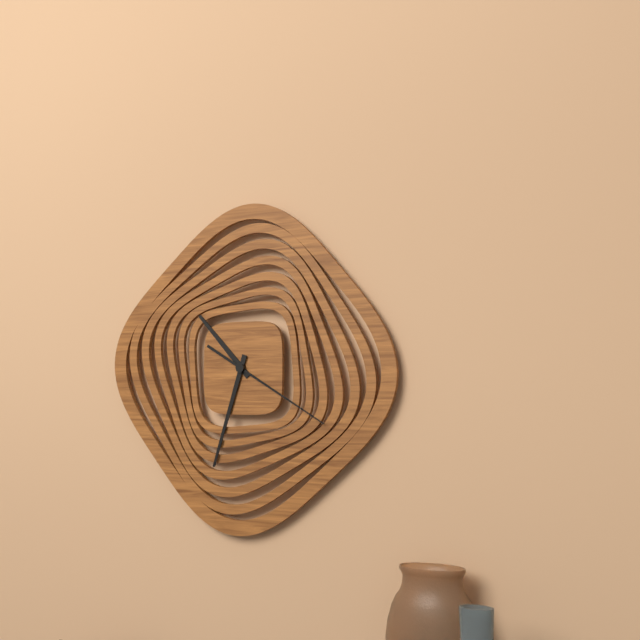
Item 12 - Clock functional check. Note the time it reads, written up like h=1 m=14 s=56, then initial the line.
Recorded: h=10 m=33 s=20
